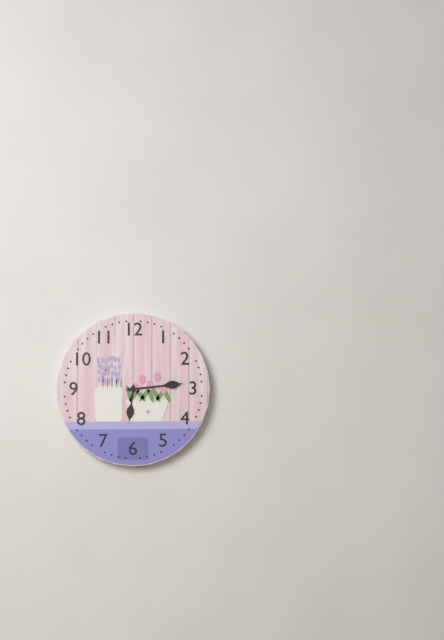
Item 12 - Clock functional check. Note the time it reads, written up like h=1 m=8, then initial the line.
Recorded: h=6 m=14
